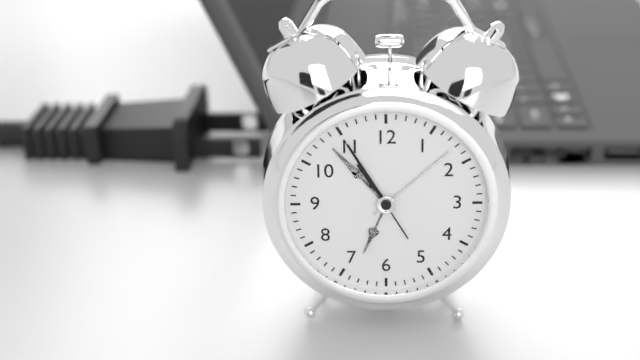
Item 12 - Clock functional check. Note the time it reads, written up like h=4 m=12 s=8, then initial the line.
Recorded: h=10 m=55 s=55
